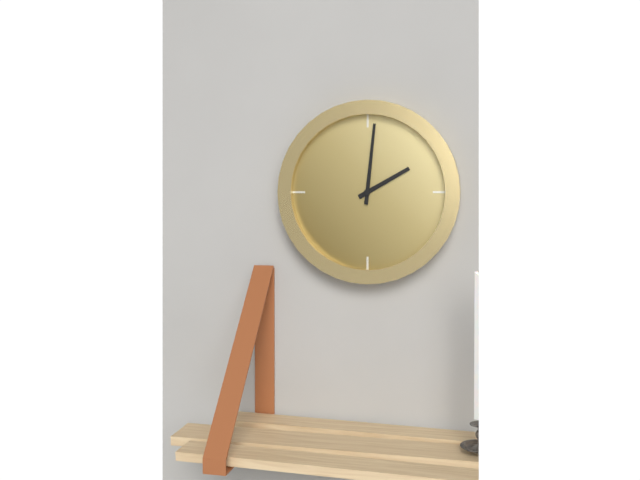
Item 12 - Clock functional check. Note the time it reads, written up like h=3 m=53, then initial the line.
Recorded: h=2 m=1
